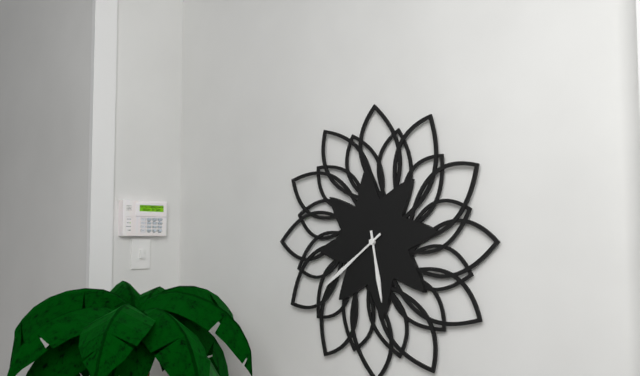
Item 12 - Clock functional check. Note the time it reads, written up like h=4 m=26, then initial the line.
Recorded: h=5 m=39
